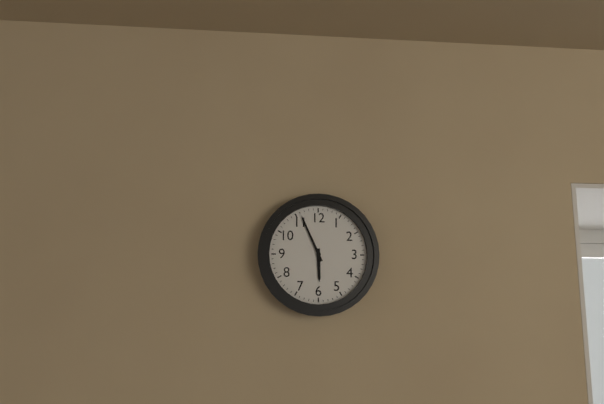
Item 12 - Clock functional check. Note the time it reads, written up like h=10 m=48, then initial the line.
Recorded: h=5 m=56
